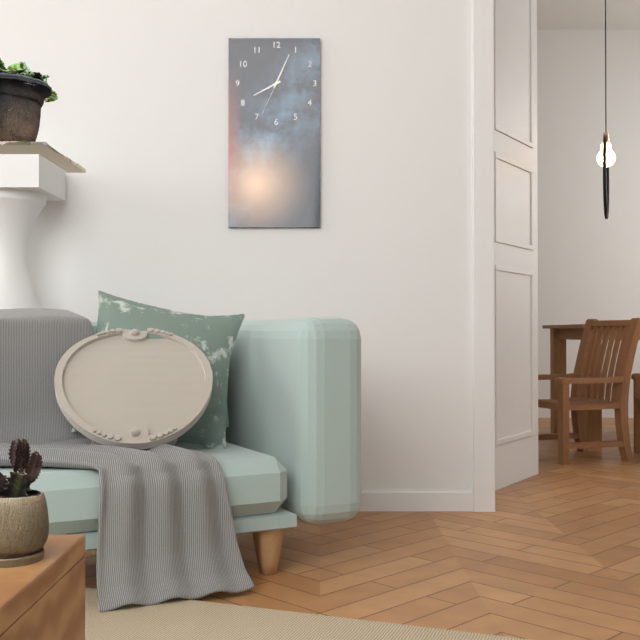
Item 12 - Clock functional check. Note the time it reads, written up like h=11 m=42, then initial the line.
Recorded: h=8 m=4
